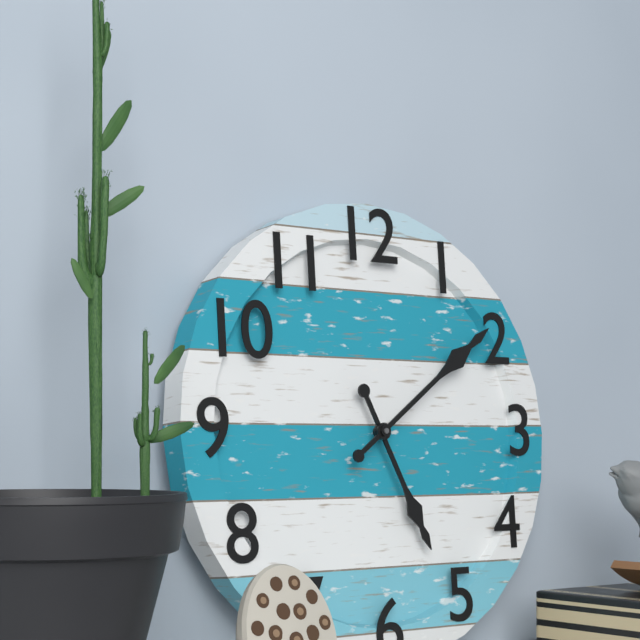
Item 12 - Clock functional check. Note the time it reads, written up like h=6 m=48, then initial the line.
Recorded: h=5 m=9
